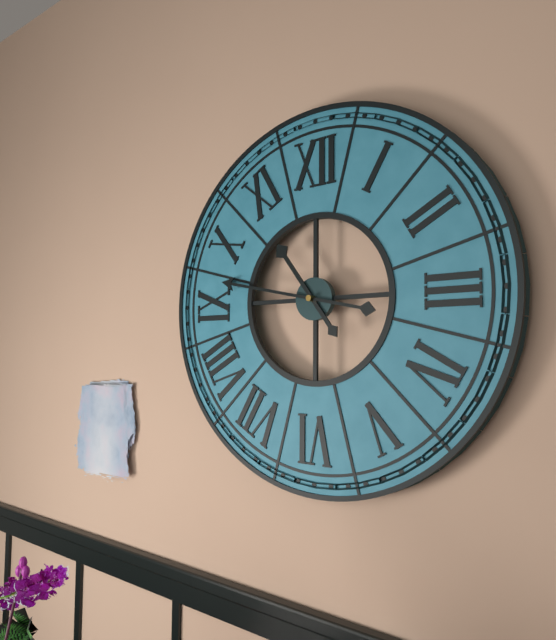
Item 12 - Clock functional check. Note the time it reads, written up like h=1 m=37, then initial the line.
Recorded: h=10 m=47
